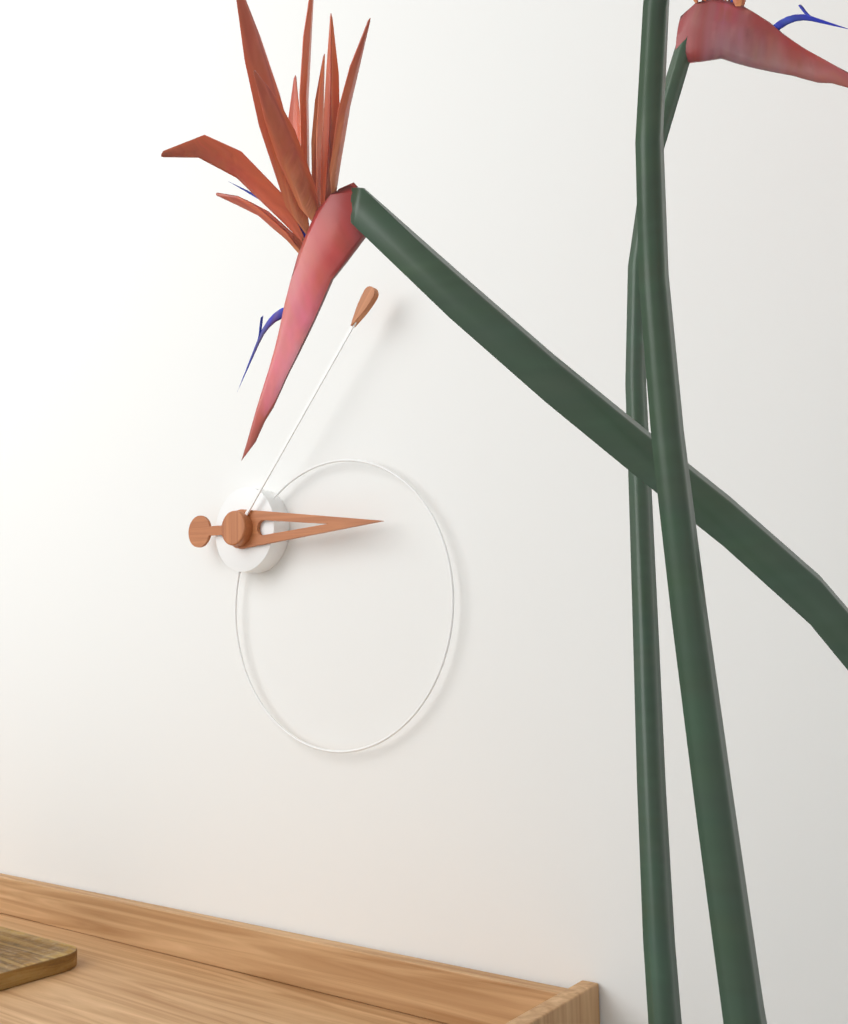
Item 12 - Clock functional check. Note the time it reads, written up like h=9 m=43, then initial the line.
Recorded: h=3 m=7
